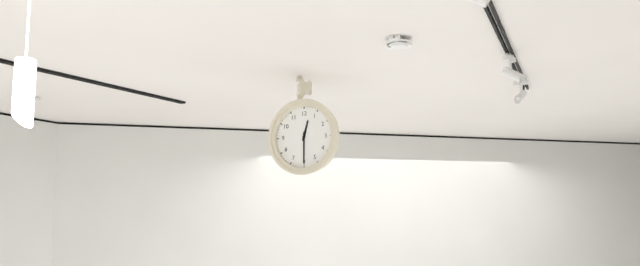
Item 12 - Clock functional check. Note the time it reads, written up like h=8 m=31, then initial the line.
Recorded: h=12 m=30
